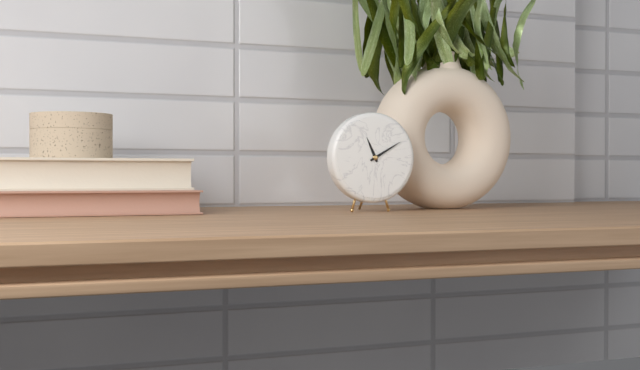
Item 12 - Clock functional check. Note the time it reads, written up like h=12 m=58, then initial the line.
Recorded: h=11 m=10
